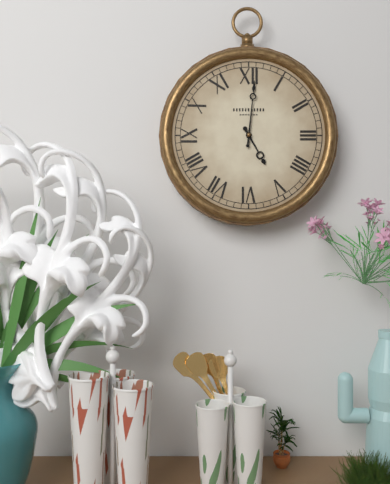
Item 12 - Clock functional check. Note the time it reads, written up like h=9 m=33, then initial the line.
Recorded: h=5 m=1
